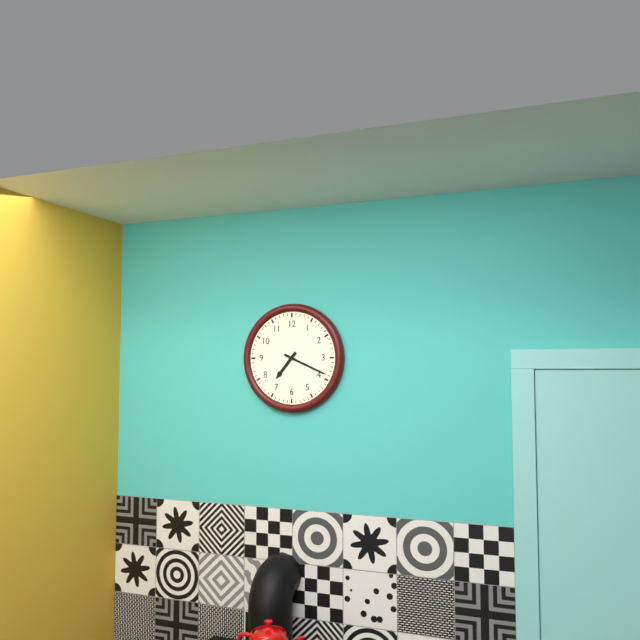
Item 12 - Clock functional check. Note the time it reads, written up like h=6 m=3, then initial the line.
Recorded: h=7 m=19
